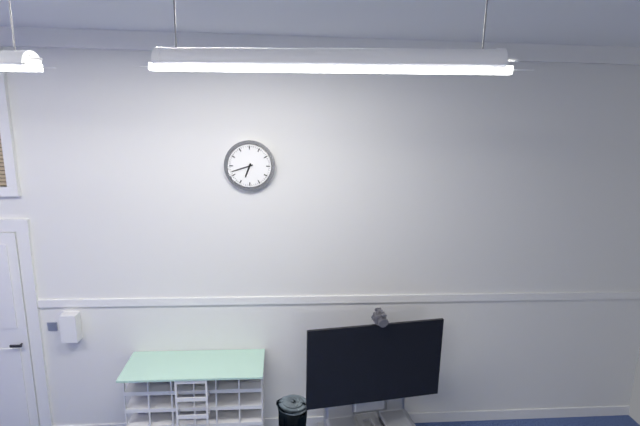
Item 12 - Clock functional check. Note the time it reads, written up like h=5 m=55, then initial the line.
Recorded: h=6 m=42
